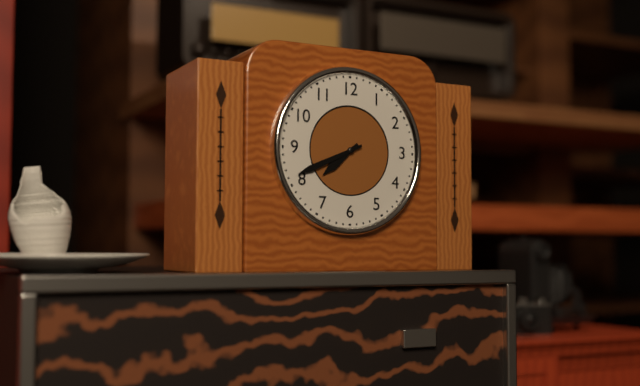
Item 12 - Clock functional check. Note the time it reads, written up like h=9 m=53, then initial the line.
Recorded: h=7 m=41
